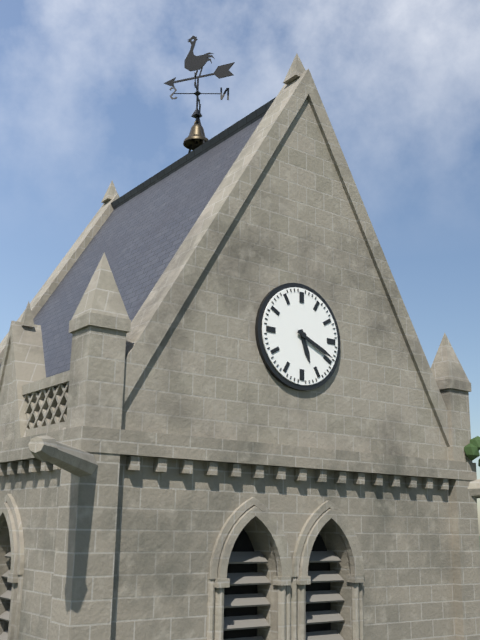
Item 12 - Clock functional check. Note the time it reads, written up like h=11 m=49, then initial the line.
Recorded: h=5 m=19
